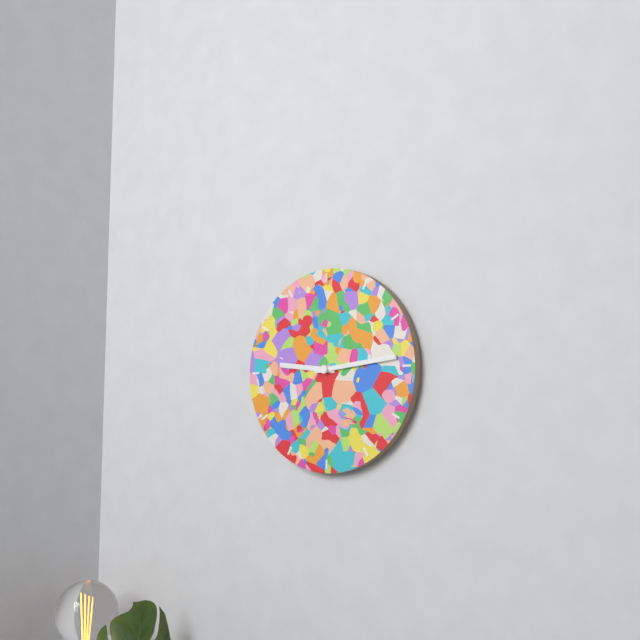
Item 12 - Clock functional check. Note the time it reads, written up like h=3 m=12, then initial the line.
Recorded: h=9 m=14
